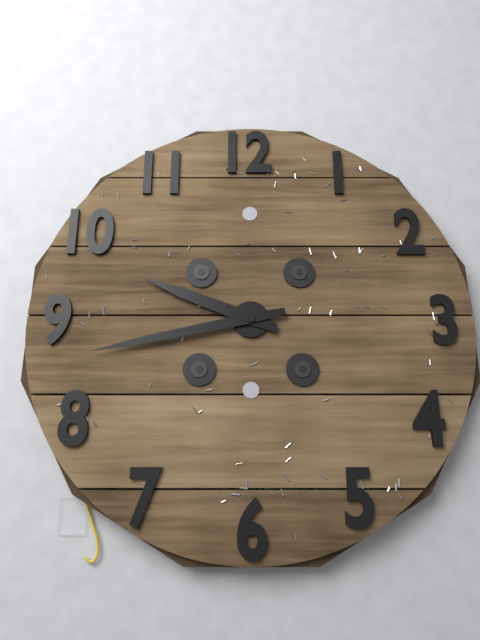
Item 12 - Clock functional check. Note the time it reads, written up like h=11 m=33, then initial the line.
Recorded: h=9 m=43
